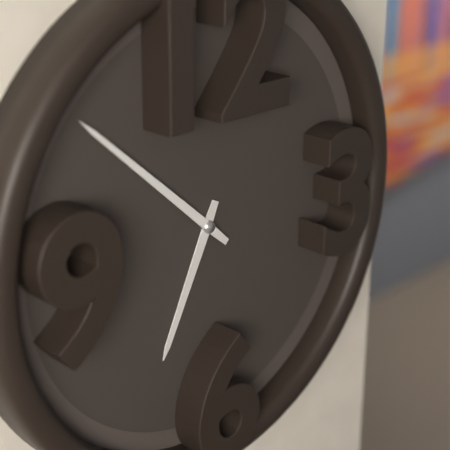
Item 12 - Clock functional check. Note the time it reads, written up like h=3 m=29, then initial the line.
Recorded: h=6 m=52
